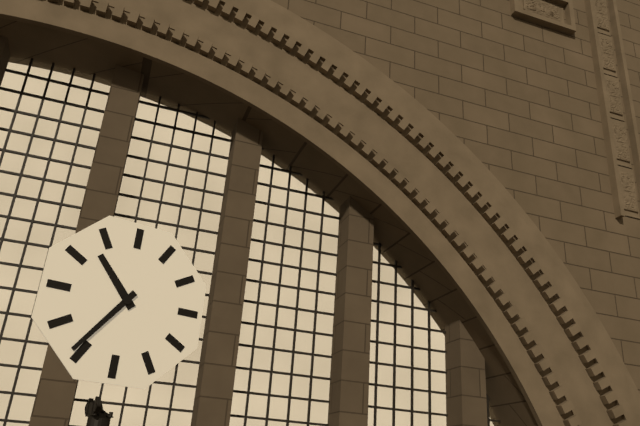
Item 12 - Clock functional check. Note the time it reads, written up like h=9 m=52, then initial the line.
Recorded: h=10 m=36
